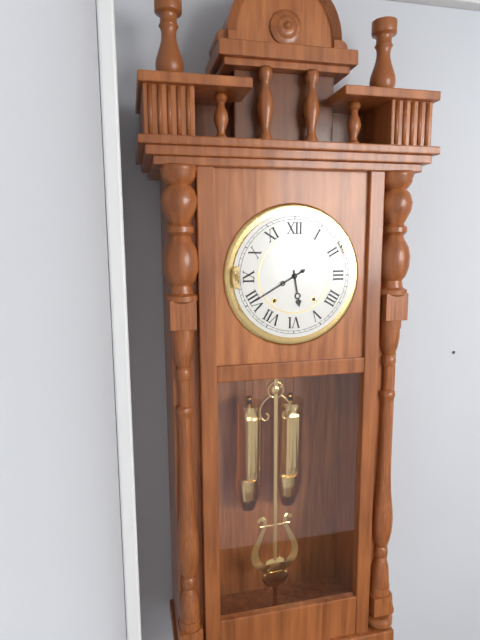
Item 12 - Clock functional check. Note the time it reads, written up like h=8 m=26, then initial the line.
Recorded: h=5 m=40
